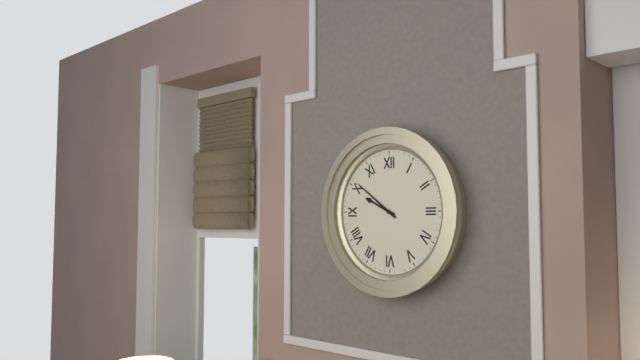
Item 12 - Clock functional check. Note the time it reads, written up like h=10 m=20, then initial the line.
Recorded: h=9 m=51
